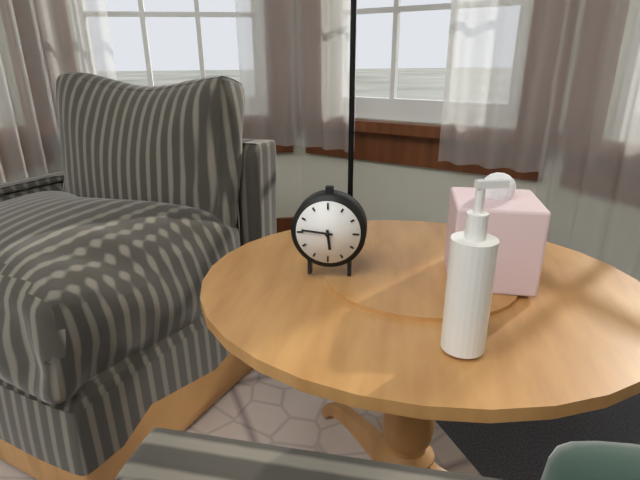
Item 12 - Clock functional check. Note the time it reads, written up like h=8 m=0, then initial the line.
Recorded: h=5 m=46
